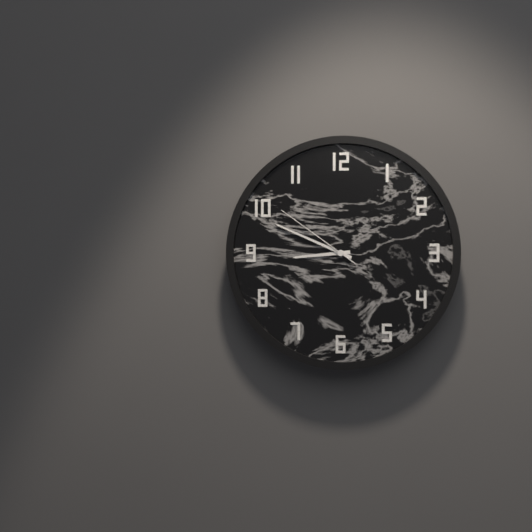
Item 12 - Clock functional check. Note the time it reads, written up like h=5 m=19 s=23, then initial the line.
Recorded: h=8 m=49 s=51
